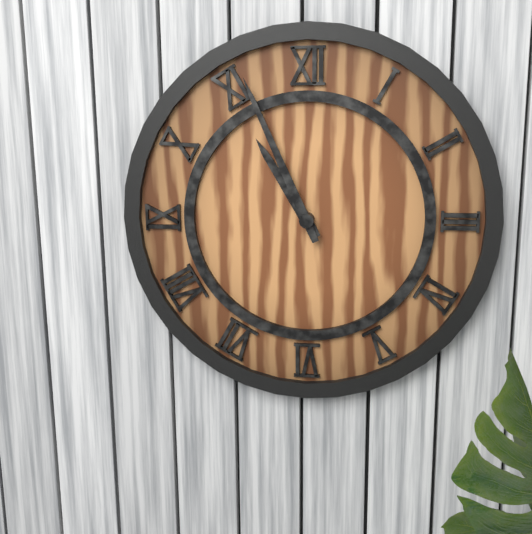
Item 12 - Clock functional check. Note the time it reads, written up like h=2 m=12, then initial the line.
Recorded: h=10 m=56
